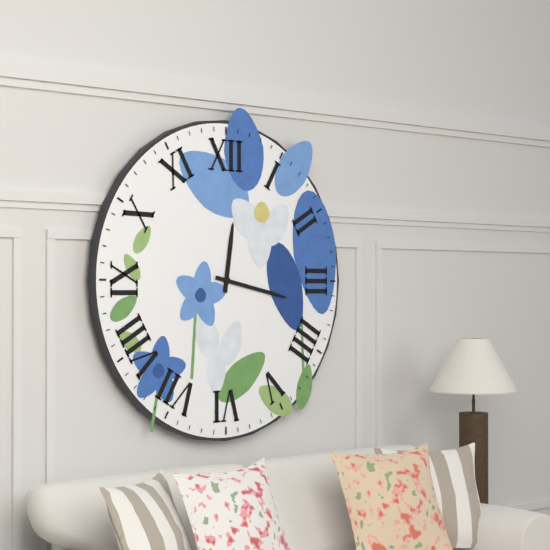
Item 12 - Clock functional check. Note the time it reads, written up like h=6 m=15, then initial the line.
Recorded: h=12 m=17
